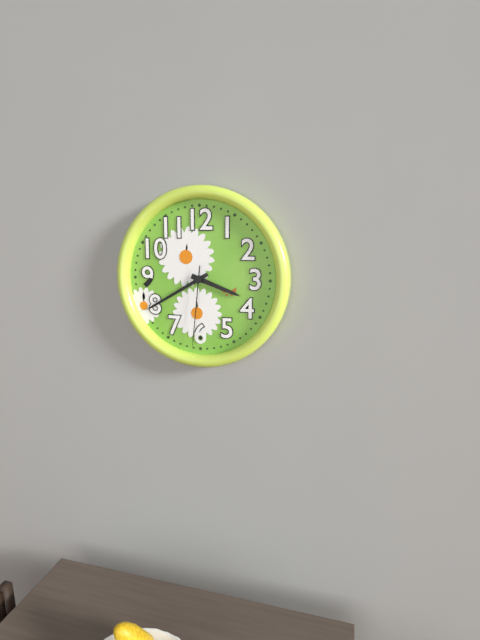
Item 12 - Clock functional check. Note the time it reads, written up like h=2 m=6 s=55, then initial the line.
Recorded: h=3 m=40 s=31
